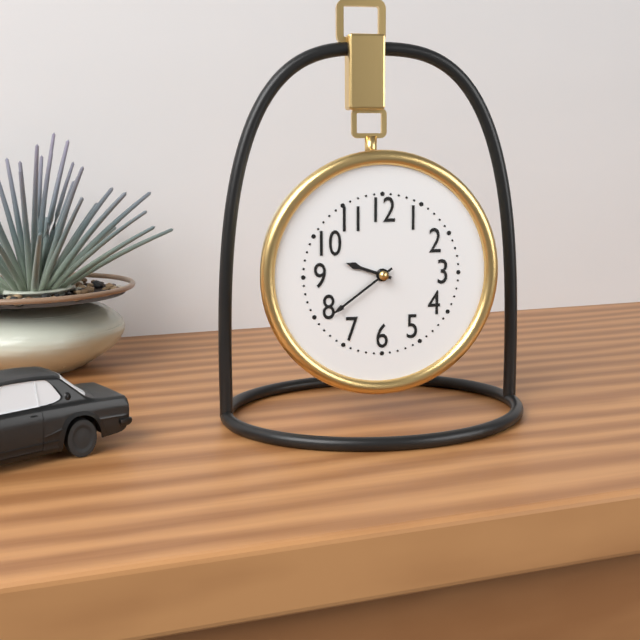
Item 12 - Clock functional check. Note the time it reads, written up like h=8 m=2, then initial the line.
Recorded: h=9 m=39
